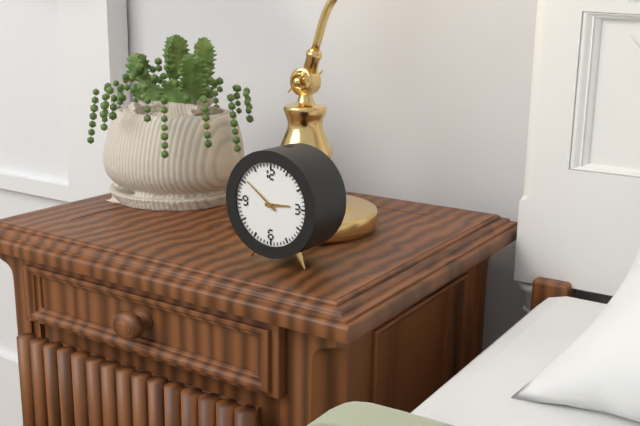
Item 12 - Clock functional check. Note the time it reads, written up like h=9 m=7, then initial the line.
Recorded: h=2 m=51
